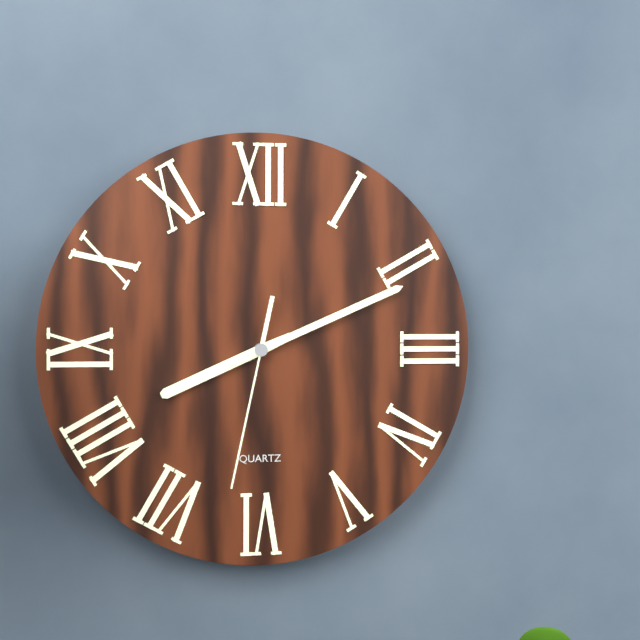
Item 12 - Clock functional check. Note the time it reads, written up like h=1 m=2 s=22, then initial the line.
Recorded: h=8 m=11 s=32
